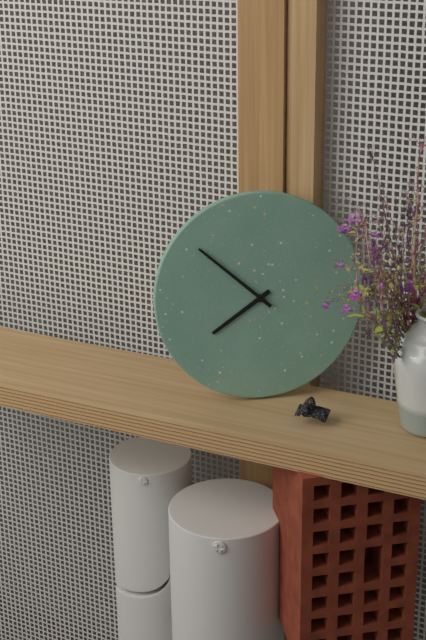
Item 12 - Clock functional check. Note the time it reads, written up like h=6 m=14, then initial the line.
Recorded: h=7 m=52
